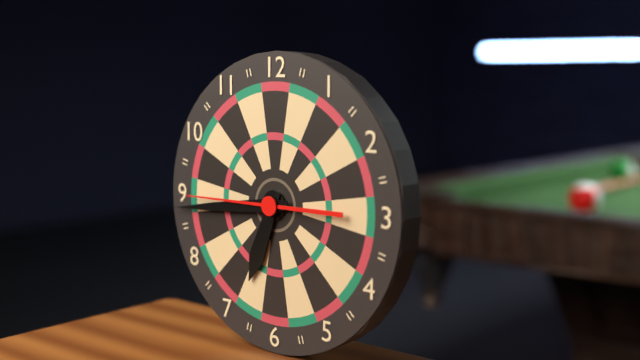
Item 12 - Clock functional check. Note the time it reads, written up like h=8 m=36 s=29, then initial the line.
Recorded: h=6 m=44 s=45
